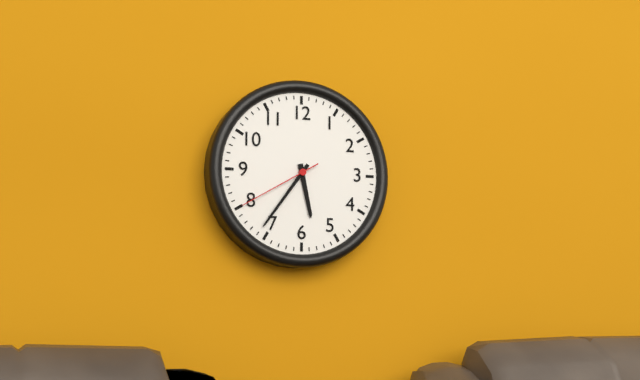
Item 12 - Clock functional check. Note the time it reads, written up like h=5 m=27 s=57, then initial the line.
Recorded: h=5 m=36 s=40
